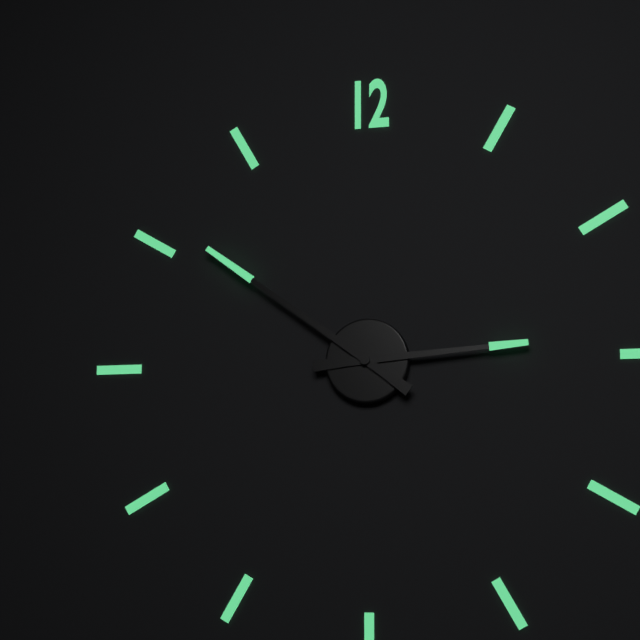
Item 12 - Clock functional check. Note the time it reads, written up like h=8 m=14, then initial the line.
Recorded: h=2 m=51
